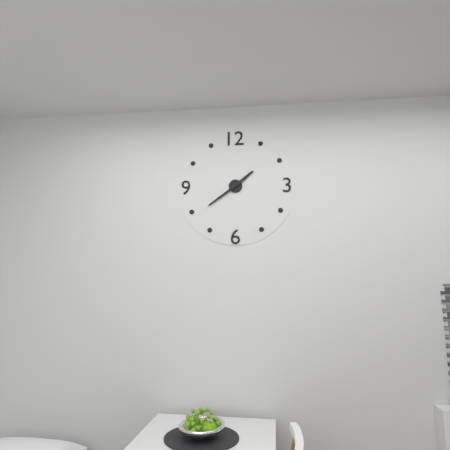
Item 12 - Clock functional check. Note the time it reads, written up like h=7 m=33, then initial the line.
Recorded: h=1 m=39
